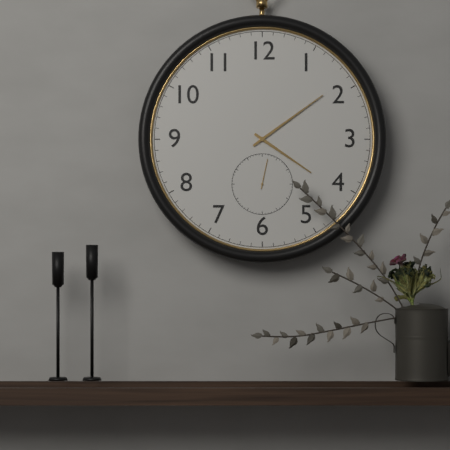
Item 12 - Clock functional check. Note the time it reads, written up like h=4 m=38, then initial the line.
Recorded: h=4 m=9
